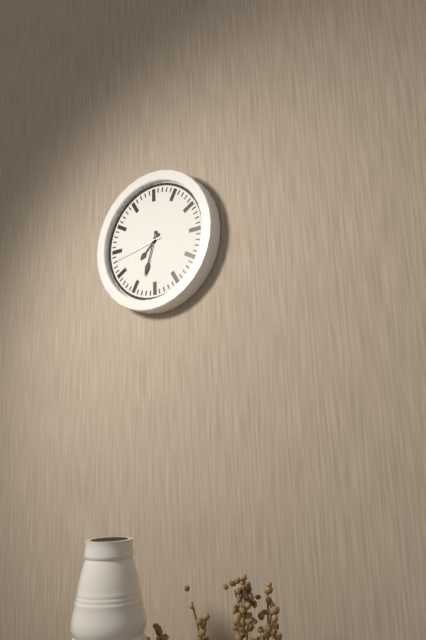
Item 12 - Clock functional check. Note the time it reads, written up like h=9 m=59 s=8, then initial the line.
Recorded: h=7 m=33 s=43
